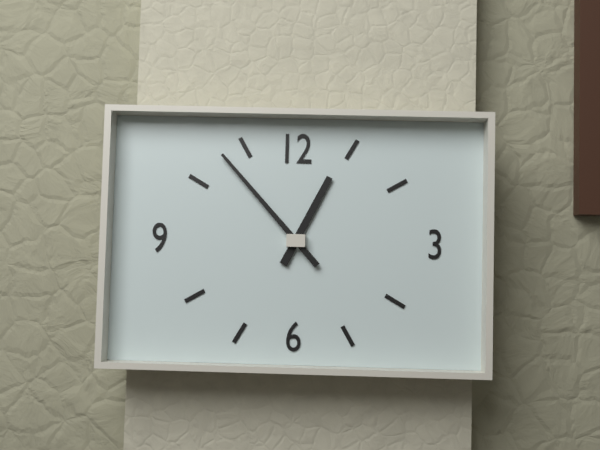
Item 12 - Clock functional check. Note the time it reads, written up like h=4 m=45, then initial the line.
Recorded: h=12 m=53
